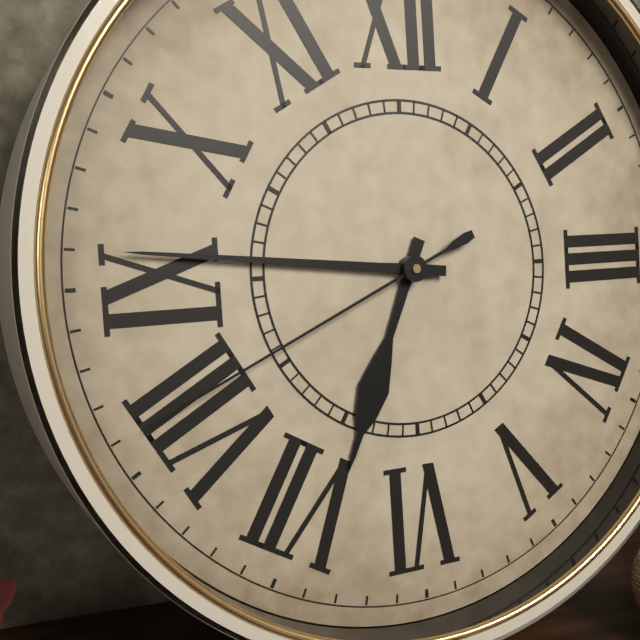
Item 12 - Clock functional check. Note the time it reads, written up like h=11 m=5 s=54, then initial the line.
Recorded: h=6 m=46 s=41
